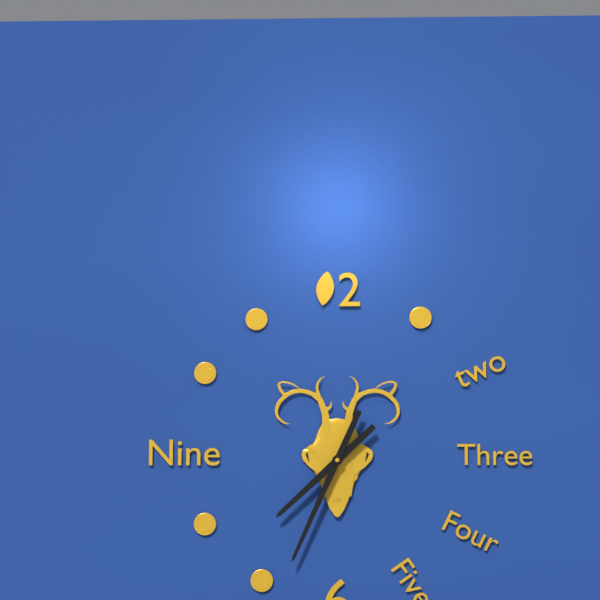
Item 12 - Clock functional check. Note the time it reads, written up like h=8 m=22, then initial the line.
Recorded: h=7 m=34
